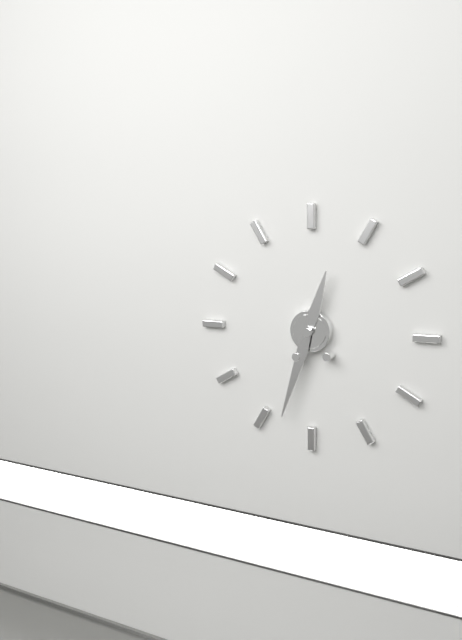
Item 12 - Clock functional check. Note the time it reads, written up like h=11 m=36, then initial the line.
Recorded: h=12 m=33
